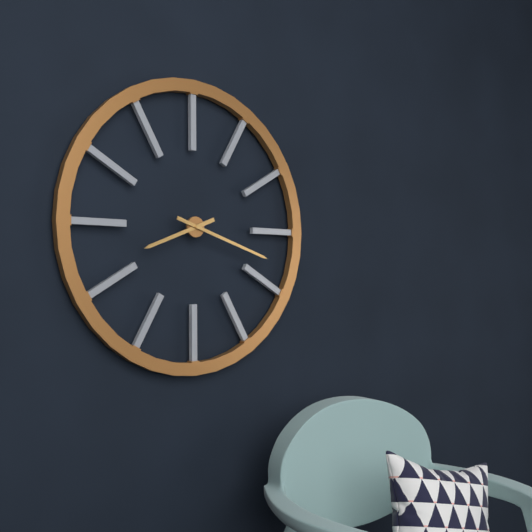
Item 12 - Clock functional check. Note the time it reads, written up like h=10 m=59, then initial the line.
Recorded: h=8 m=18
